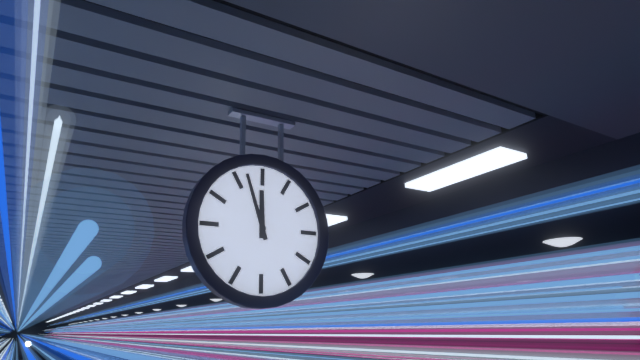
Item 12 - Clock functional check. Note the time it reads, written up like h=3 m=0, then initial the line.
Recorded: h=11 m=57
